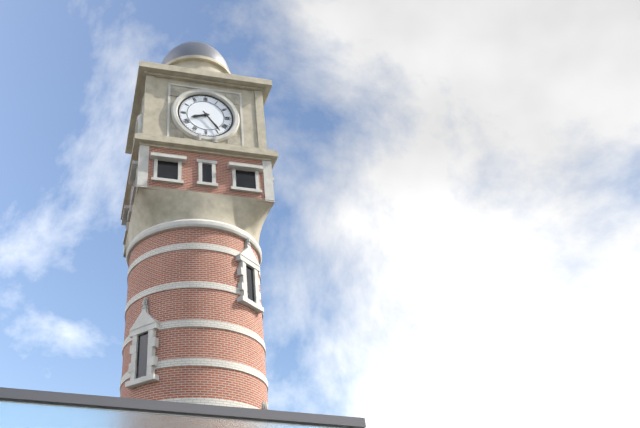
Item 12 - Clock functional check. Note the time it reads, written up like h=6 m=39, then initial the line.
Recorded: h=8 m=24
